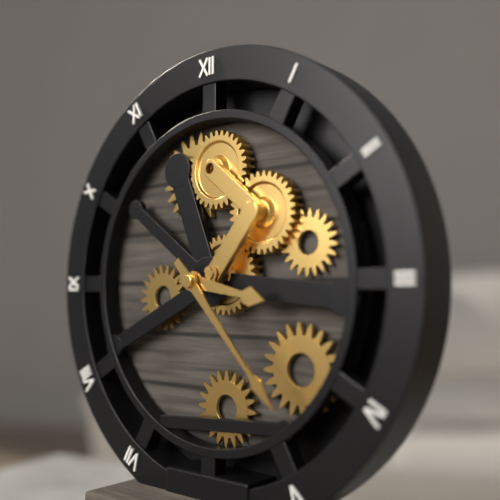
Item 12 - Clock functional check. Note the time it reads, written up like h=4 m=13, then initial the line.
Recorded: h=3 m=23
